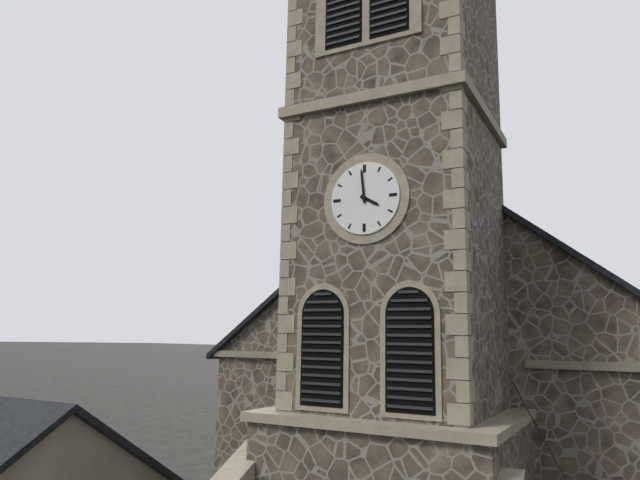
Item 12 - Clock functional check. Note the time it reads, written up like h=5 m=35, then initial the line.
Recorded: h=3 m=59
